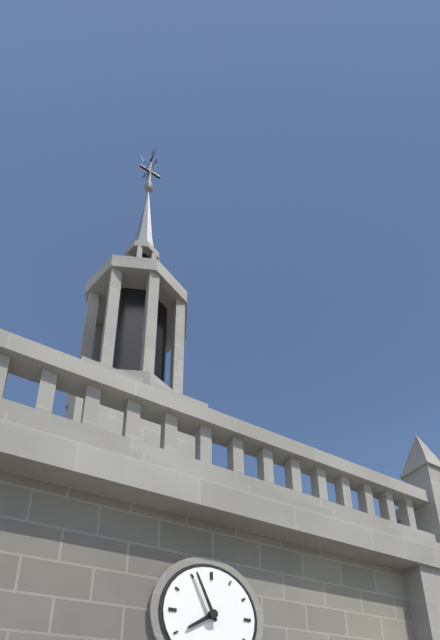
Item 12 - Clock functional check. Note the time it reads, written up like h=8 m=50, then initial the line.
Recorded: h=7 m=56
